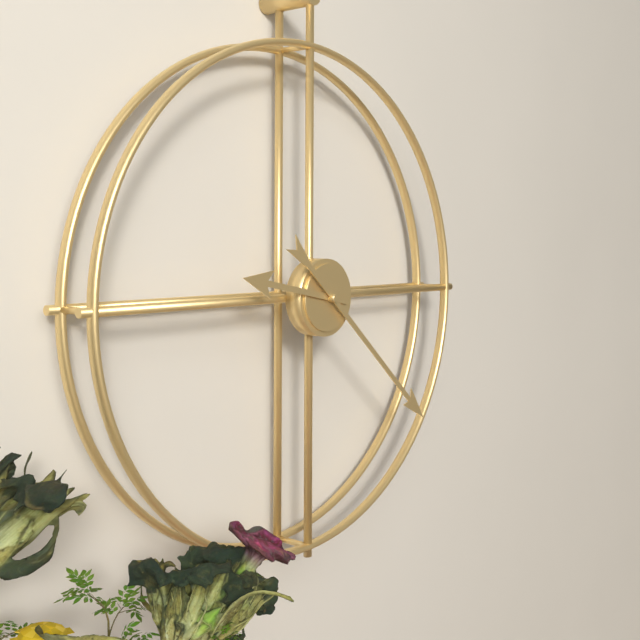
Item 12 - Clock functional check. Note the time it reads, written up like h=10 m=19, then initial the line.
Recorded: h=9 m=22
